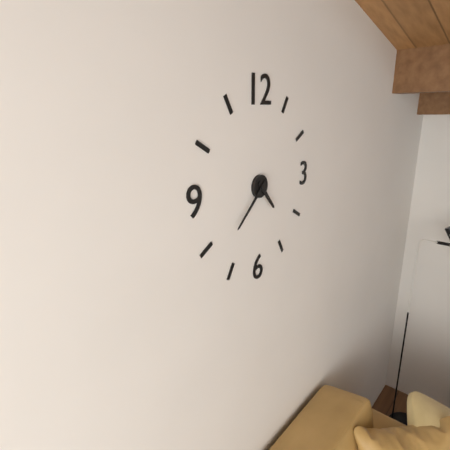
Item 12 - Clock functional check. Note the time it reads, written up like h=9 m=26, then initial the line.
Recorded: h=4 m=38
